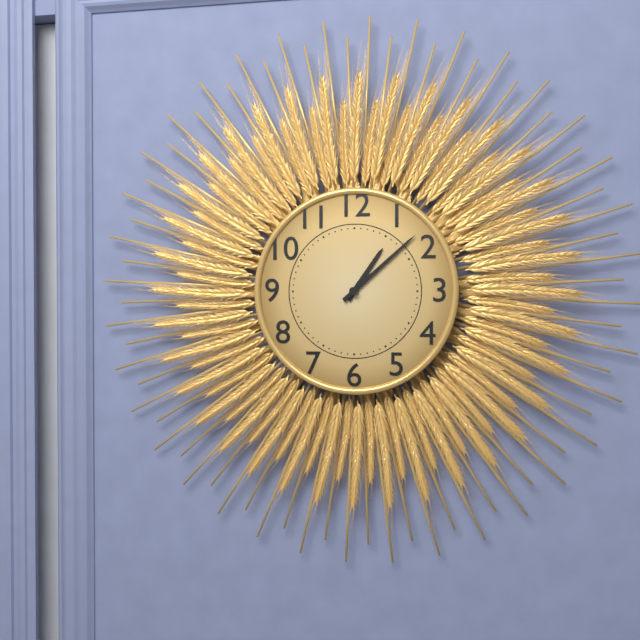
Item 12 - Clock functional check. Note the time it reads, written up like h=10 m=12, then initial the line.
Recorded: h=1 m=8
